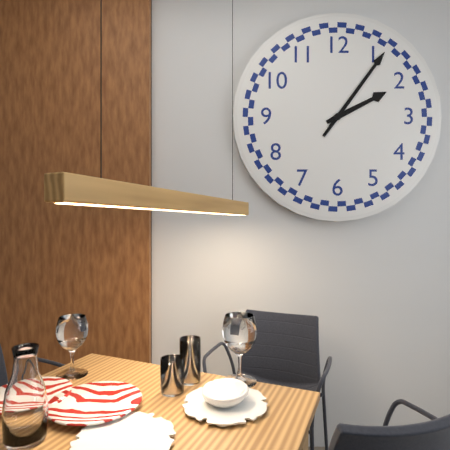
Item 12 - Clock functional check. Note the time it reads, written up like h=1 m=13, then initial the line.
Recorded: h=2 m=6
